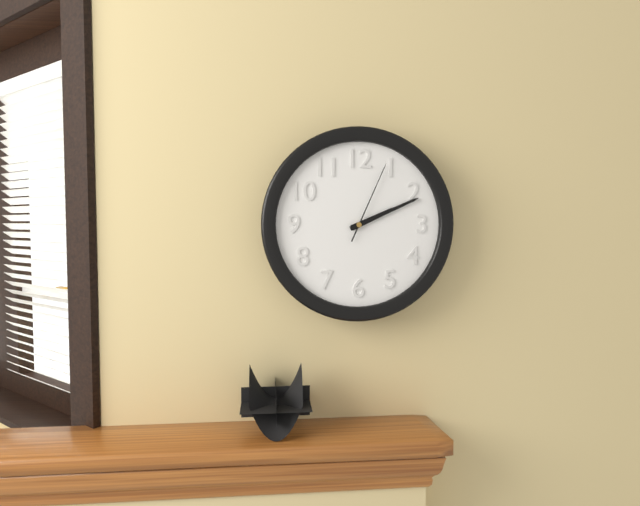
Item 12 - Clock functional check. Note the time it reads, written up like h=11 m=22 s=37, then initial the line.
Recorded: h=2 m=11 s=4
